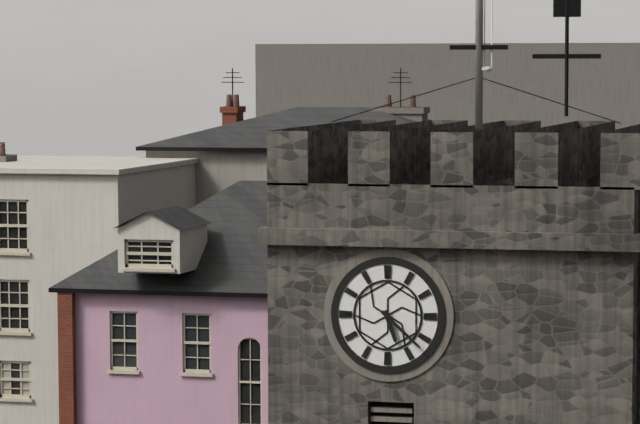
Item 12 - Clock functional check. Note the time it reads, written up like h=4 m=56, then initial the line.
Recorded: h=5 m=22
